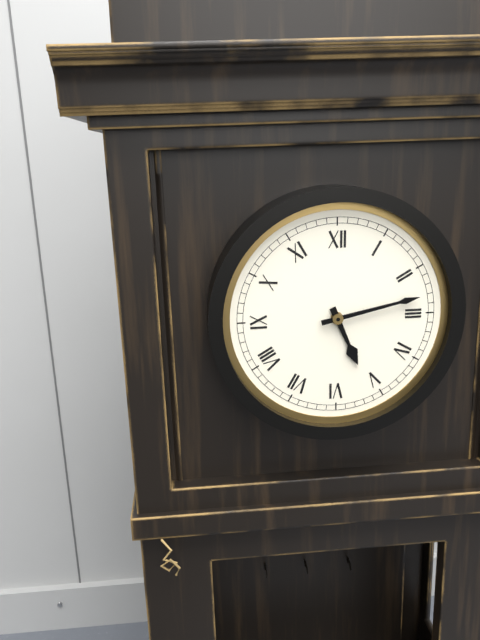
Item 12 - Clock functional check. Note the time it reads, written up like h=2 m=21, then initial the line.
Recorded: h=5 m=13
